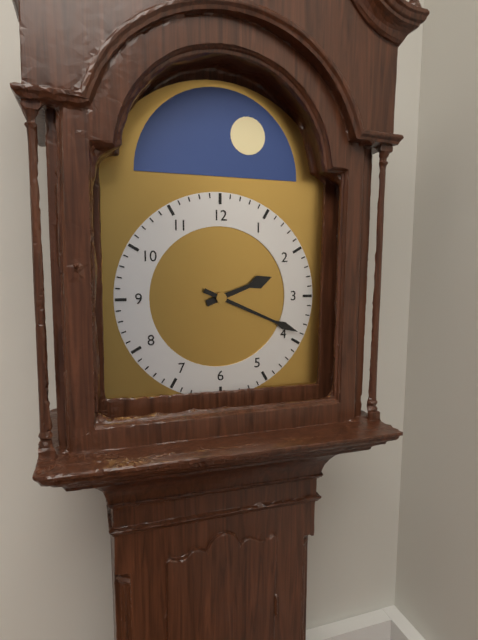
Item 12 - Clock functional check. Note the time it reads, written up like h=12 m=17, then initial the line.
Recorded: h=2 m=19
